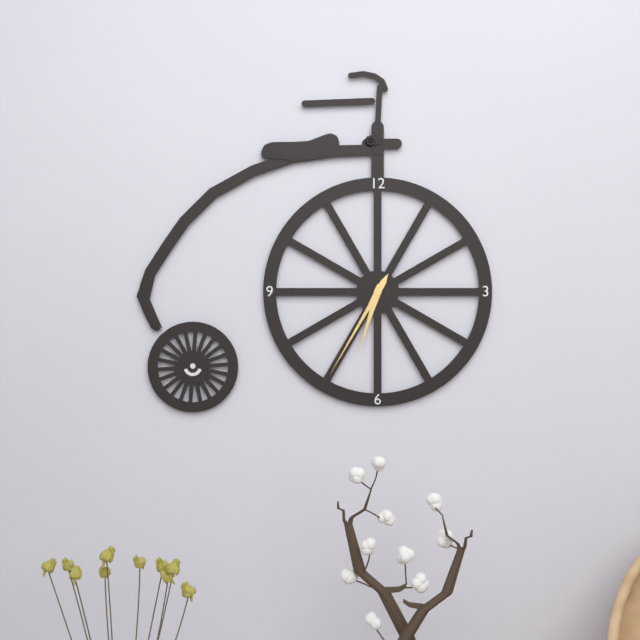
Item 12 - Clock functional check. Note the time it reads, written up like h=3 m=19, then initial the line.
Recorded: h=6 m=35
